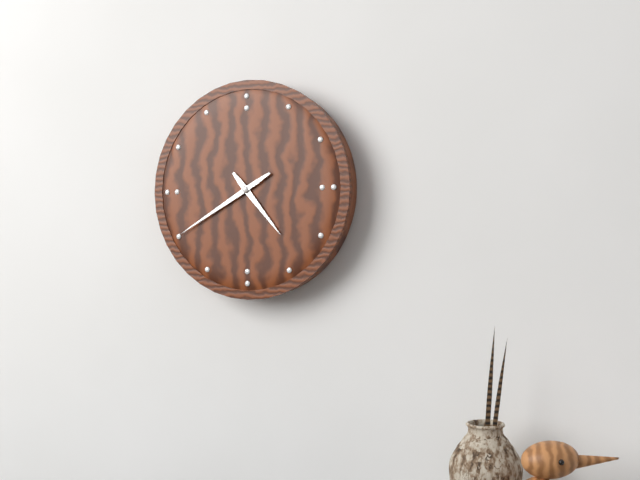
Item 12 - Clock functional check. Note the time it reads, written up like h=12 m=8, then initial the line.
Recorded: h=4 m=40
